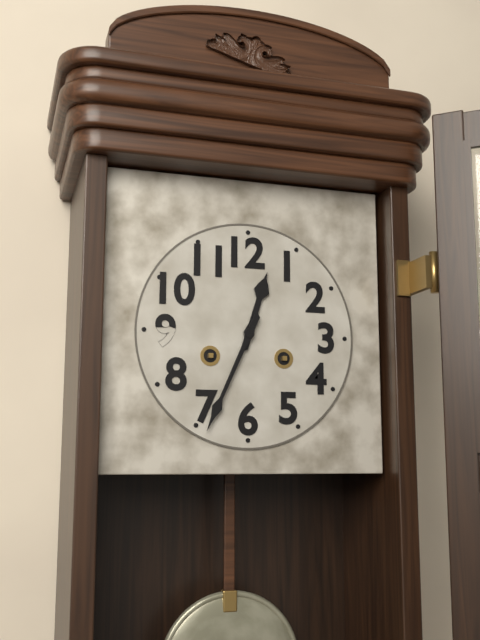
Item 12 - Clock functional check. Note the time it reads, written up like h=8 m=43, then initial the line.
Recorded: h=12 m=34
